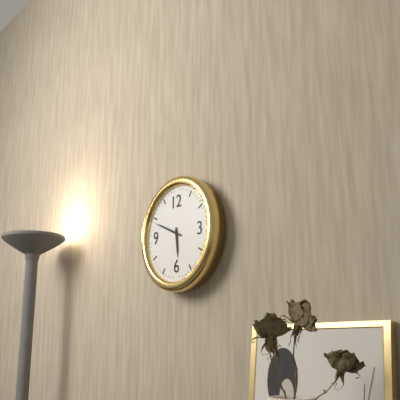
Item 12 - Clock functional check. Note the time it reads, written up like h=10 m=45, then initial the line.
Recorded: h=5 m=49
